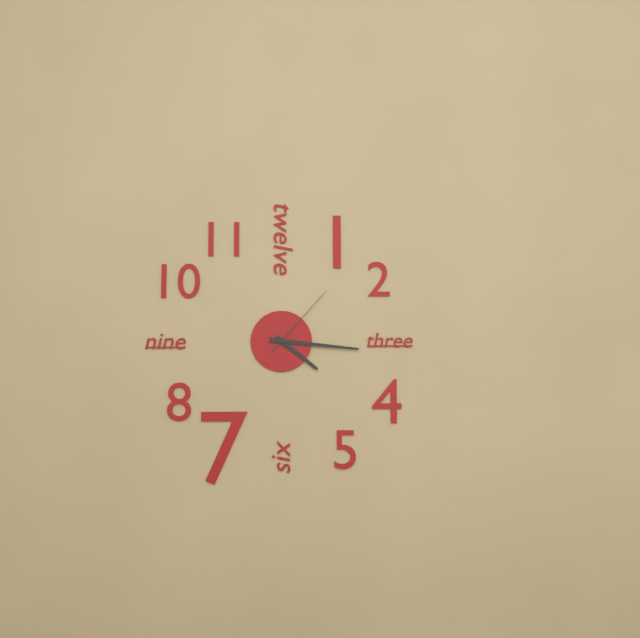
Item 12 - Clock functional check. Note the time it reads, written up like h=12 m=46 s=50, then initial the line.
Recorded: h=4 m=16 s=7
